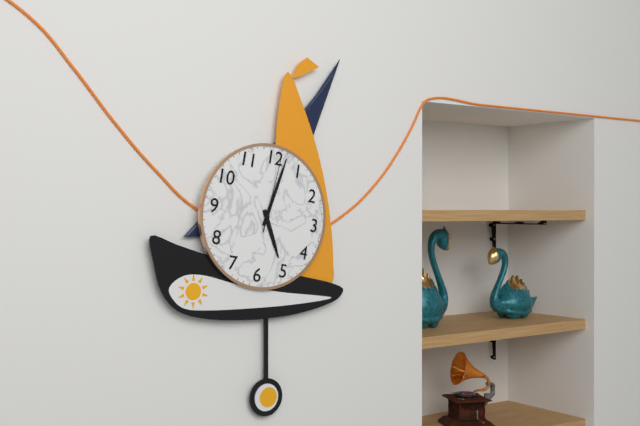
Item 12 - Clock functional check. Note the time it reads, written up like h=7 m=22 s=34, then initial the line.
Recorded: h=5 m=2 s=1
